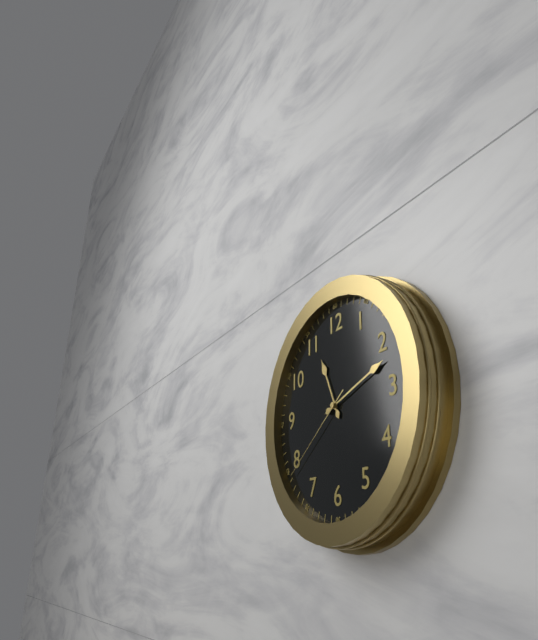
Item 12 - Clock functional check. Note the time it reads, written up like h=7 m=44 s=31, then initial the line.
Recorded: h=11 m=12 s=39
